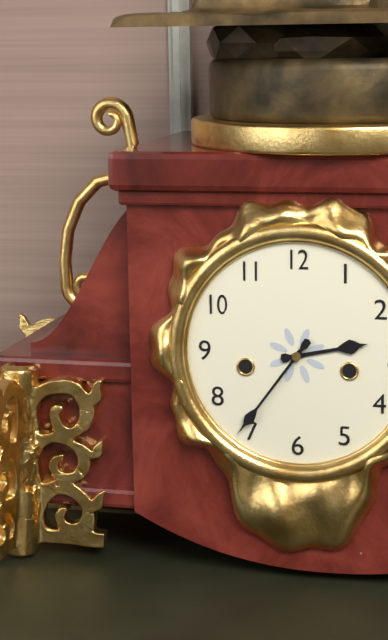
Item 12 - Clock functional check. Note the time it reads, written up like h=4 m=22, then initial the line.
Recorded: h=2 m=36
